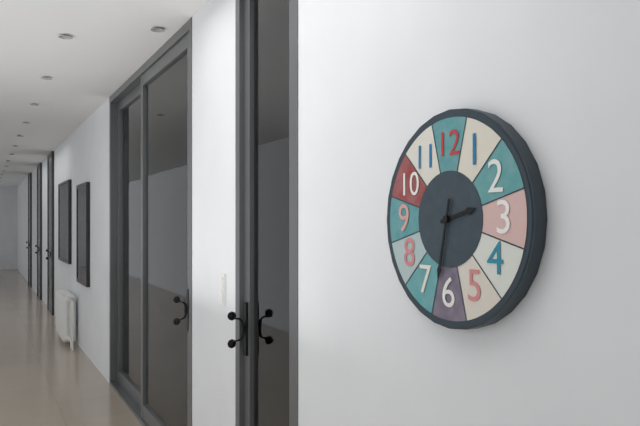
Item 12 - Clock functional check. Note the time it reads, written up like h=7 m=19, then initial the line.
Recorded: h=2 m=32
